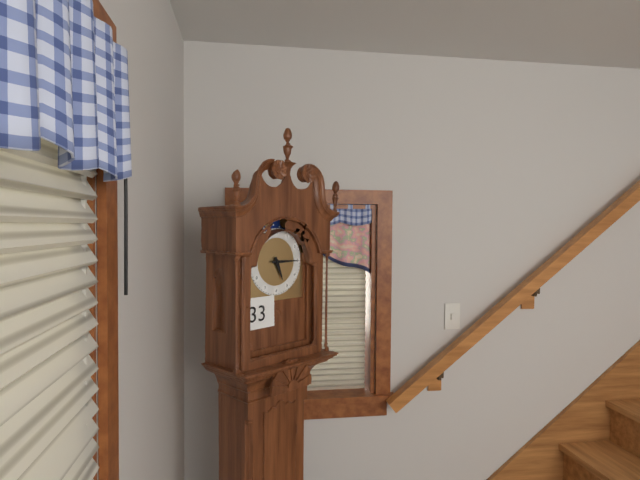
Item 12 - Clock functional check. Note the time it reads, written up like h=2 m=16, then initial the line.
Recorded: h=5 m=15
